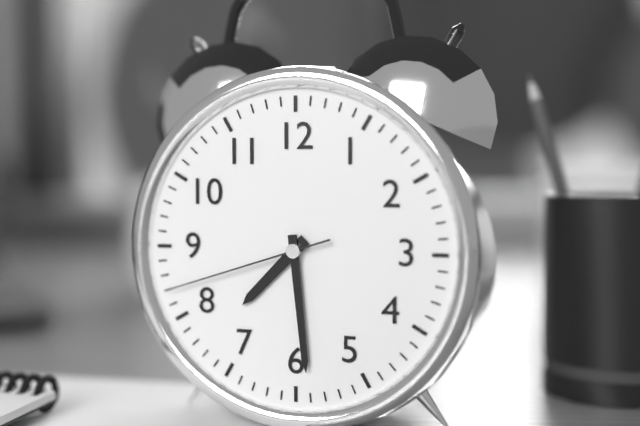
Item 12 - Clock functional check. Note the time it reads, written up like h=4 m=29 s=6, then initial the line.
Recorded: h=7 m=29 s=42
